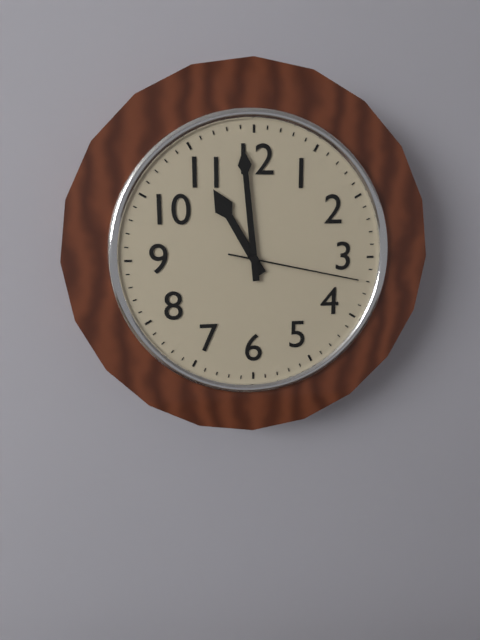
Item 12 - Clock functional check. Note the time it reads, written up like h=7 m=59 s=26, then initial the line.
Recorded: h=10 m=59 s=17
